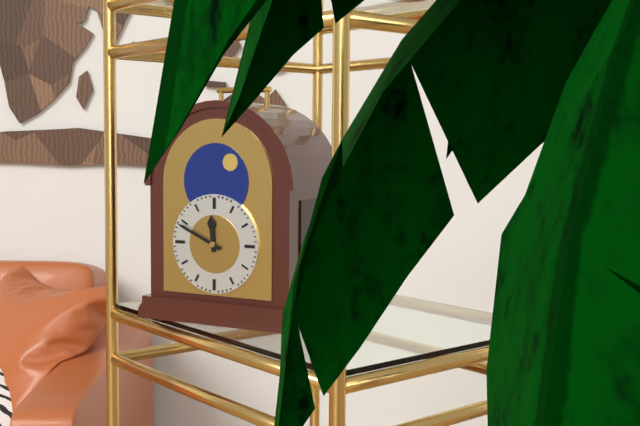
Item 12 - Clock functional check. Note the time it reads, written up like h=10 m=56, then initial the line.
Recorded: h=11 m=49
